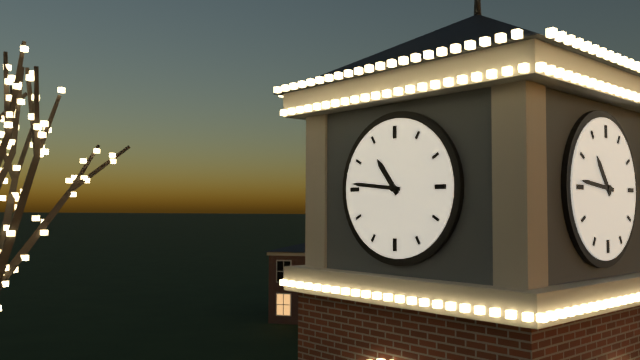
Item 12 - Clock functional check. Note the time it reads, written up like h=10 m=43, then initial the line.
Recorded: h=10 m=46
